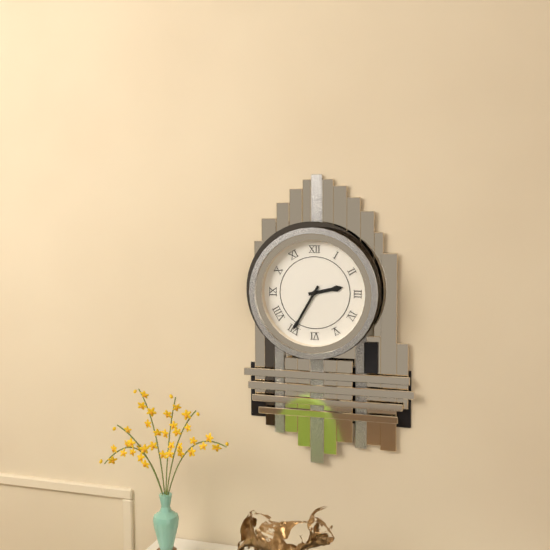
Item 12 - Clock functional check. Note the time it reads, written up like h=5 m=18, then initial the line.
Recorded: h=2 m=35
